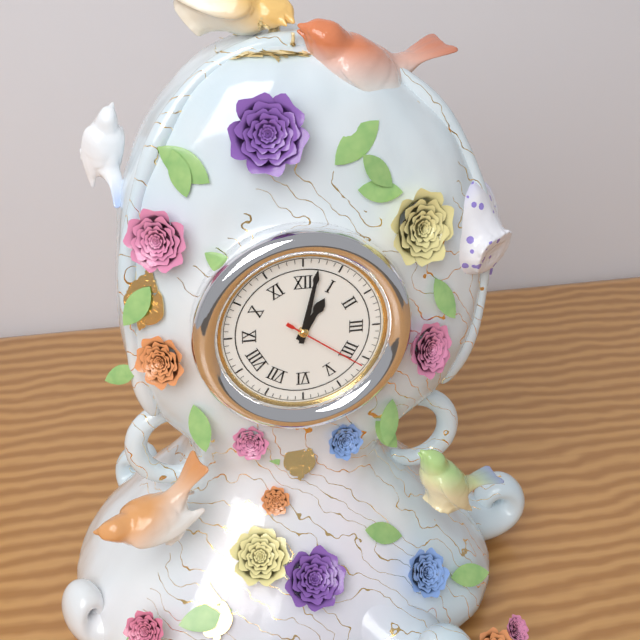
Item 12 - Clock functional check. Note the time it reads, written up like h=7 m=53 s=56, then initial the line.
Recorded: h=1 m=2 s=21
